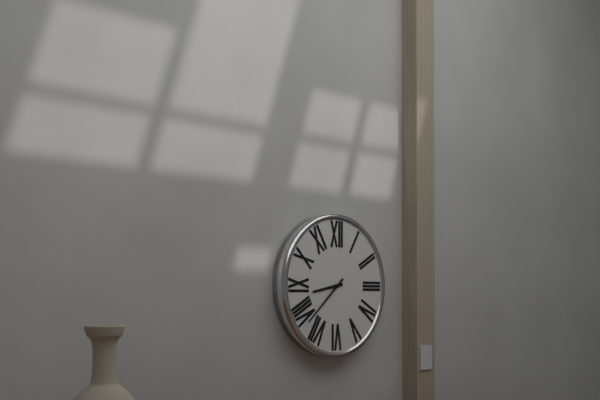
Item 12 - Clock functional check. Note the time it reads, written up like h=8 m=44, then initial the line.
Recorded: h=8 m=38
